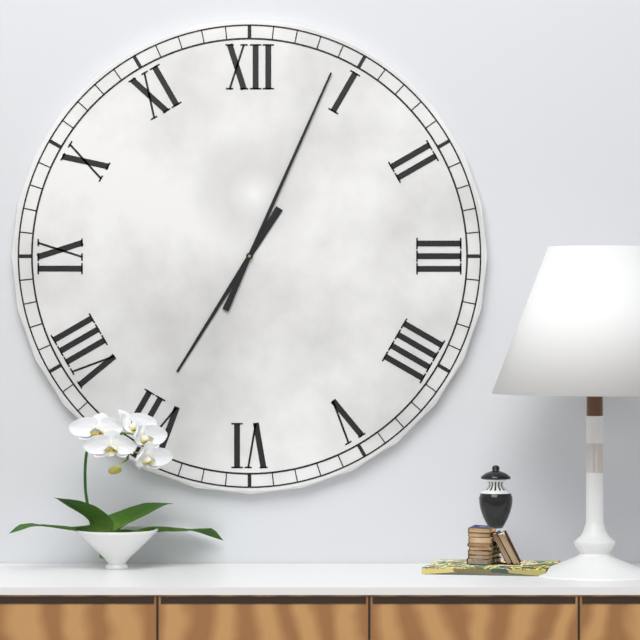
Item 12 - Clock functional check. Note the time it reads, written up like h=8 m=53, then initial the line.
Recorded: h=7 m=4
